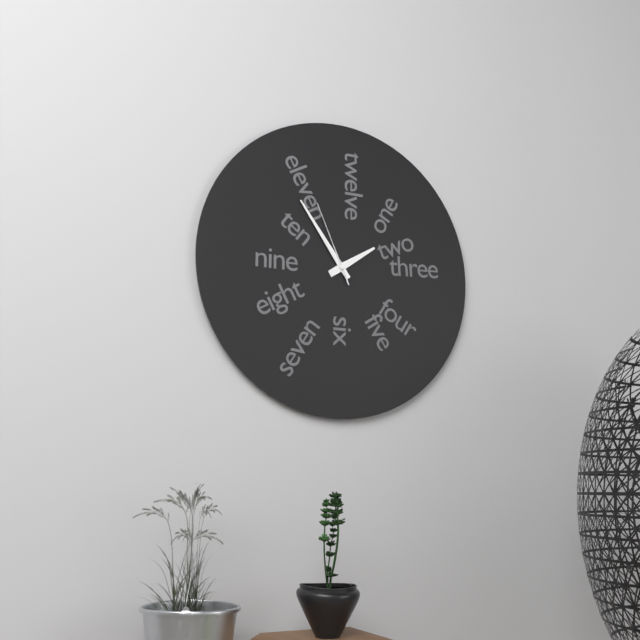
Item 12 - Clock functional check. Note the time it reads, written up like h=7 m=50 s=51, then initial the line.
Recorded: h=1 m=54 s=56
